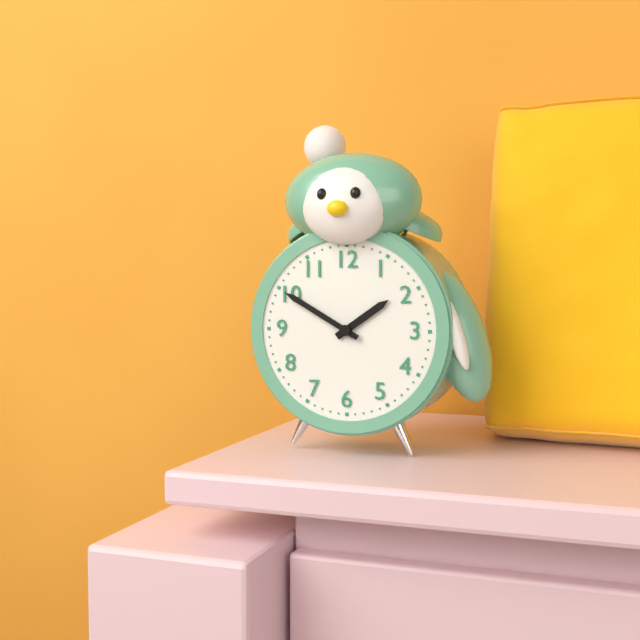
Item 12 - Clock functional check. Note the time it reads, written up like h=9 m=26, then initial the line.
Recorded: h=1 m=50
